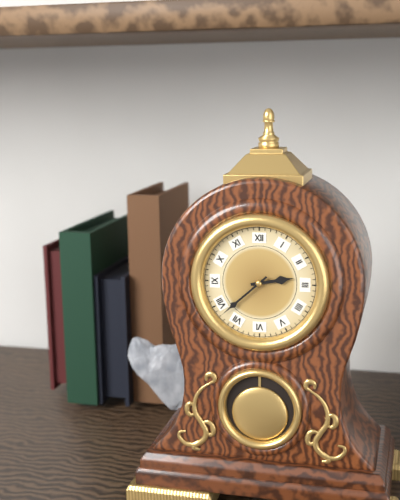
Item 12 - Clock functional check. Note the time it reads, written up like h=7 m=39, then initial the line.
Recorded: h=2 m=38
